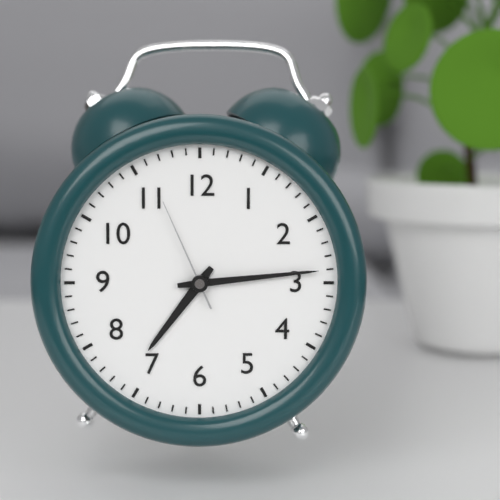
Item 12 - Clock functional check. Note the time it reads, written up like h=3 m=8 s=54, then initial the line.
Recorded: h=7 m=14 s=56
